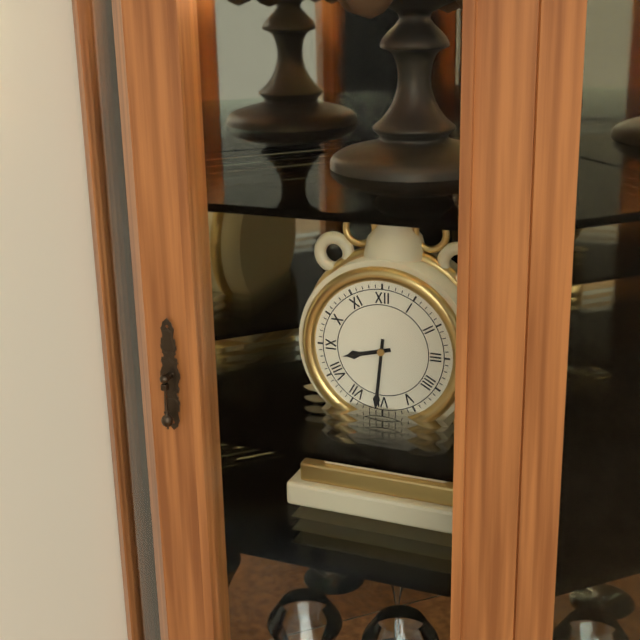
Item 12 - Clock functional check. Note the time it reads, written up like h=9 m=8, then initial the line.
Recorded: h=8 m=31
